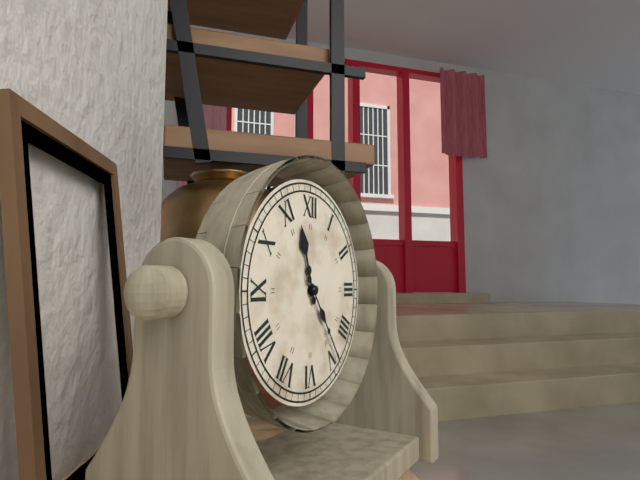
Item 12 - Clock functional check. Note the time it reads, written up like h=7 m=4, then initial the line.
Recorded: h=11 m=24
